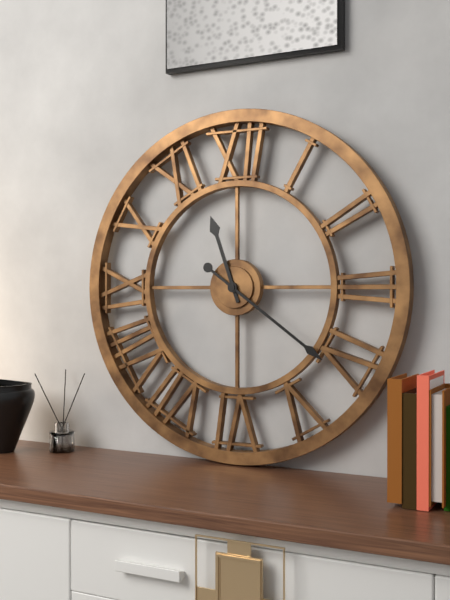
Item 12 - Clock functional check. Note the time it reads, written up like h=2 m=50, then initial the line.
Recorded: h=11 m=21
